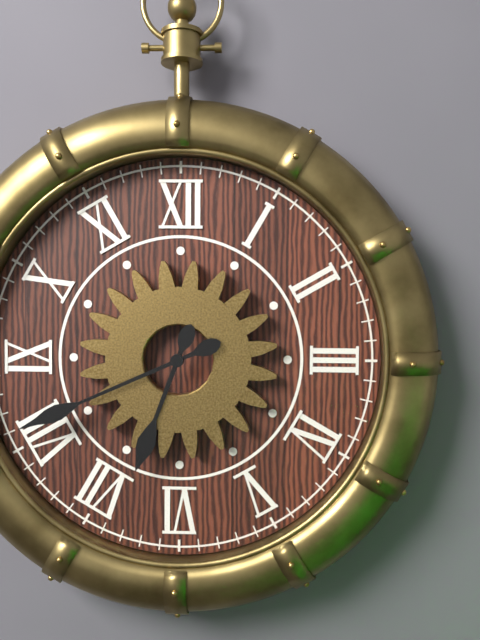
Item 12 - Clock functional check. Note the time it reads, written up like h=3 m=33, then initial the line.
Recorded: h=6 m=41
